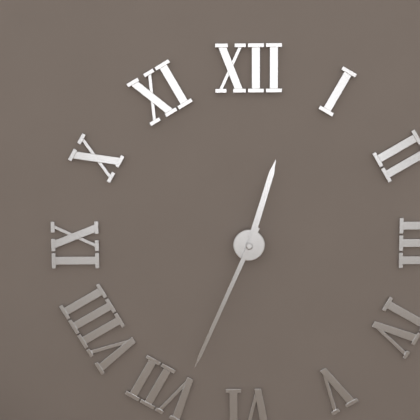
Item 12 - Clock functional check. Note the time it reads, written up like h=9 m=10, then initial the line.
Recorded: h=12 m=34
